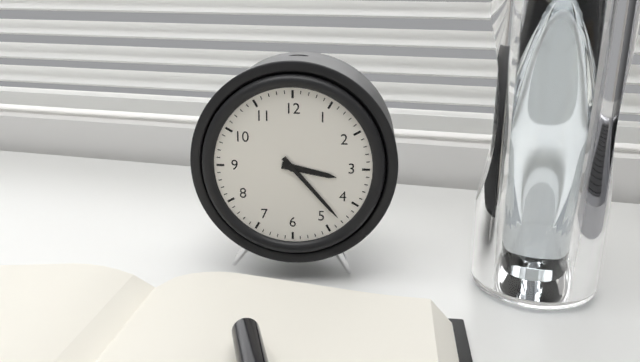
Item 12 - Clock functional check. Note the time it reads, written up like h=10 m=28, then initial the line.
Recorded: h=3 m=23
